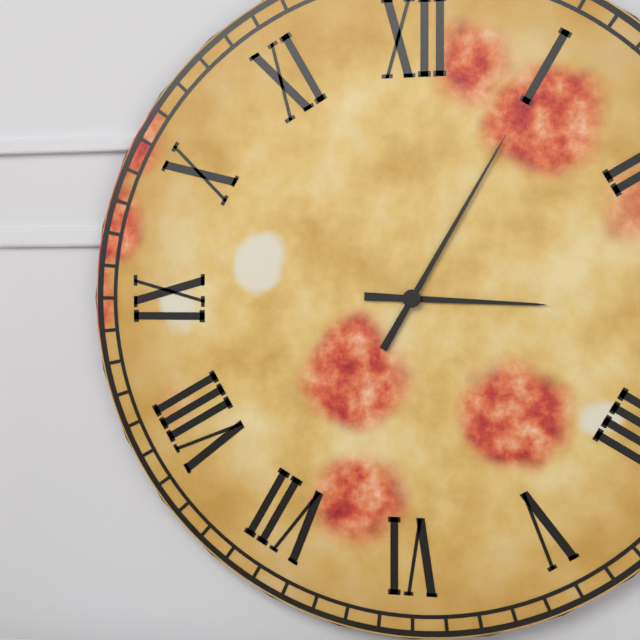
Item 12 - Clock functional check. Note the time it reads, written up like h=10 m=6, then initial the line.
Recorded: h=3 m=5
